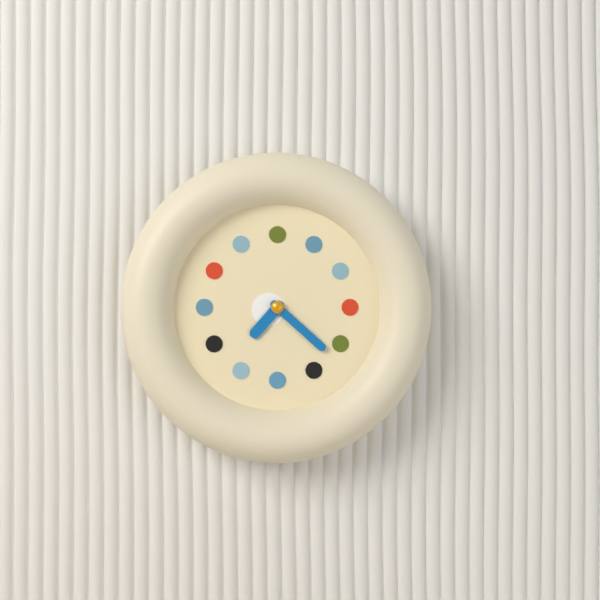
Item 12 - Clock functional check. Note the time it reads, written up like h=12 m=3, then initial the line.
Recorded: h=7 m=22
